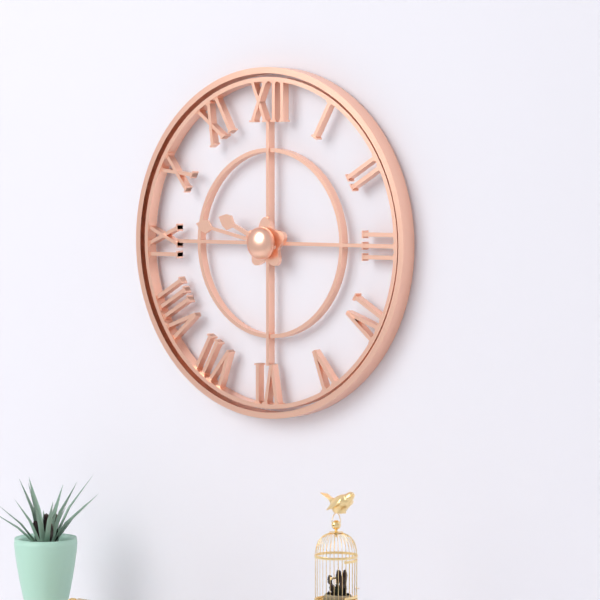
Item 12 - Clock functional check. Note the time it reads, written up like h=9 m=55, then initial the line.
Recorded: h=9 m=47
